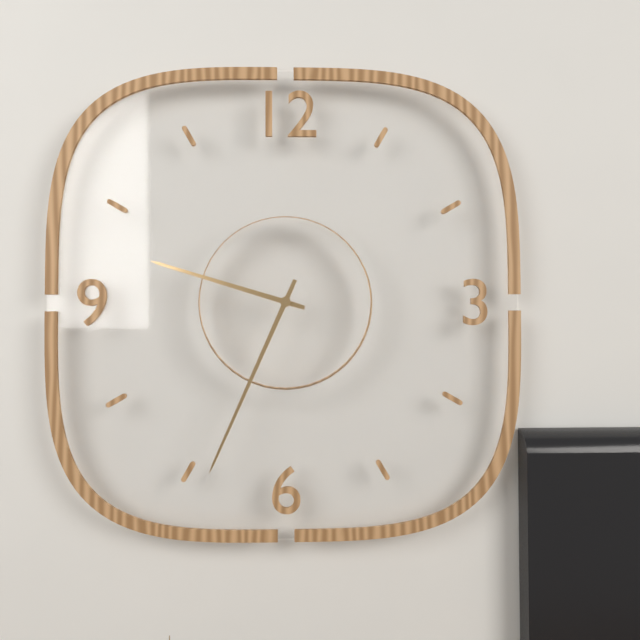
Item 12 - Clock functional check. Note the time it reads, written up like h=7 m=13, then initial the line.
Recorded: h=9 m=34
